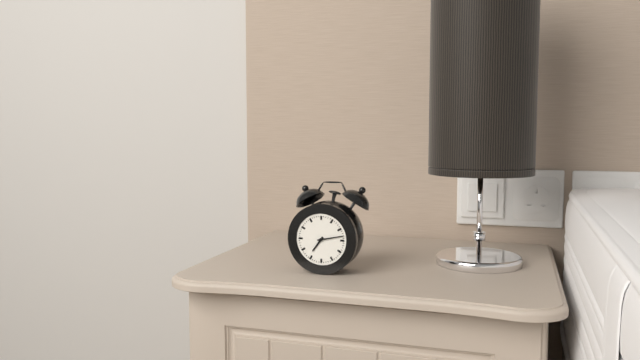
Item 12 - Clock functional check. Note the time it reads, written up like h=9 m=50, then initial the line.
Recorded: h=7 m=13
